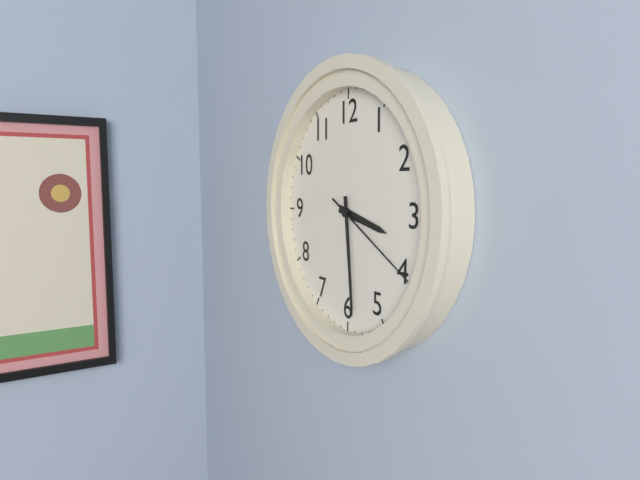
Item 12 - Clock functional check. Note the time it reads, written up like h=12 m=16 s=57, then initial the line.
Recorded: h=3 m=29 s=20
